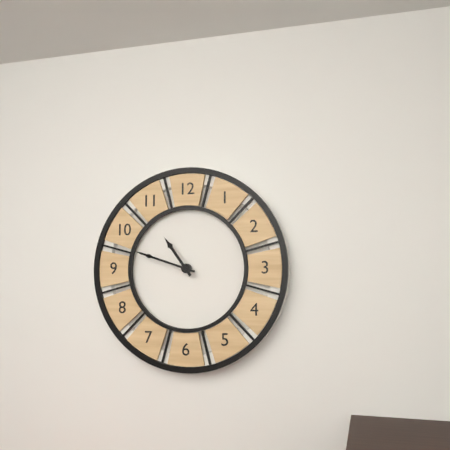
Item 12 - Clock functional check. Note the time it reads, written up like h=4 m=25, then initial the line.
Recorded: h=10 m=48
